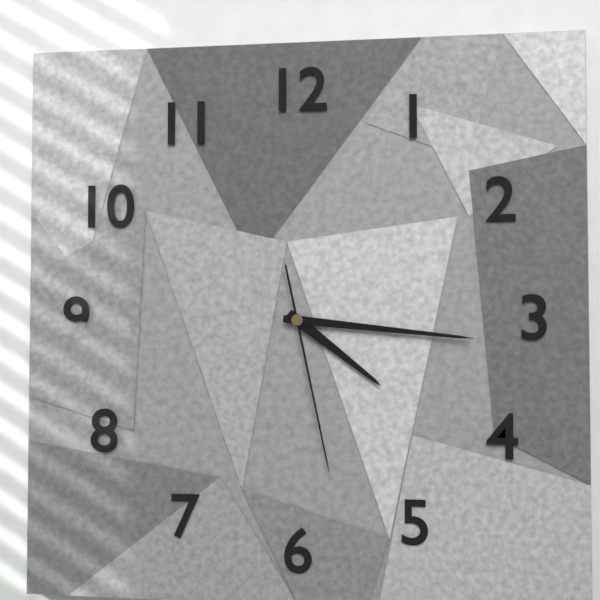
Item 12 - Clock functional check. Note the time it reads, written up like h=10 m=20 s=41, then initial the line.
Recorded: h=4 m=16 s=28
